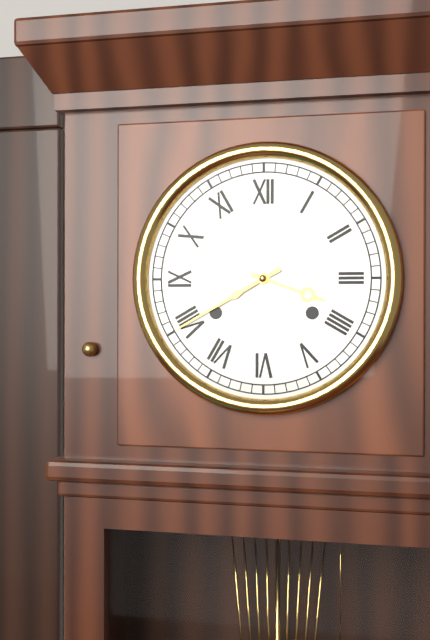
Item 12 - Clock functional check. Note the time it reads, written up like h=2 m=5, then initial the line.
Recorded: h=3 m=40
